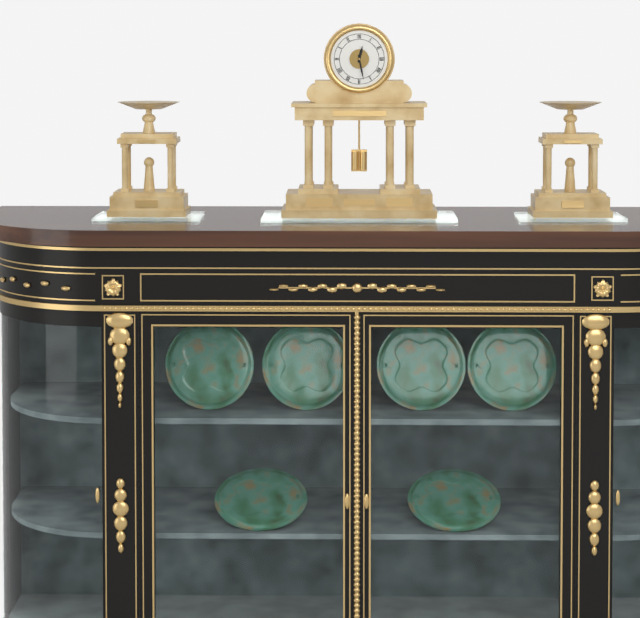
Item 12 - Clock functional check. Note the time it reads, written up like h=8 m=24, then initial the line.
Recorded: h=12 m=28
